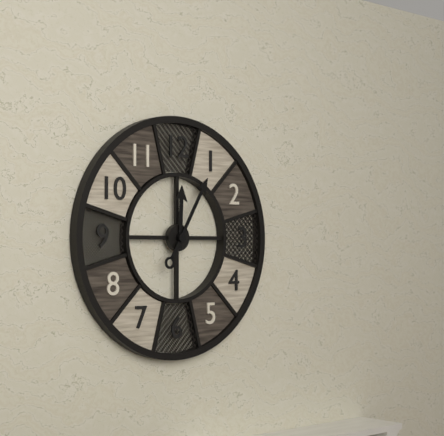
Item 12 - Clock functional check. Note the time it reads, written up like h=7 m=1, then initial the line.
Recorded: h=12 m=5
